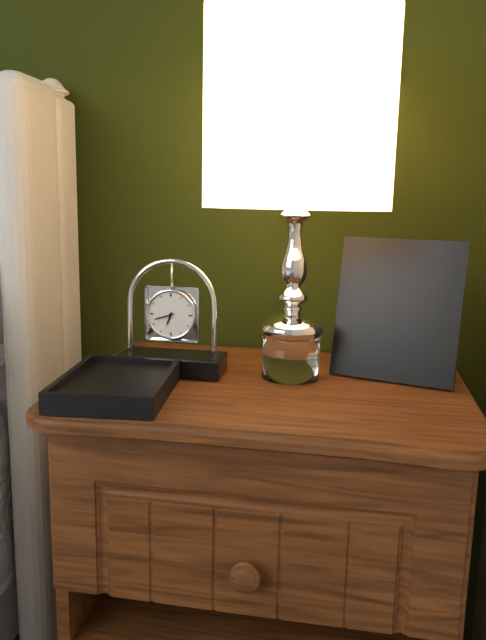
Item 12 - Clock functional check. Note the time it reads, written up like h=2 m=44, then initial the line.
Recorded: h=6 m=42
